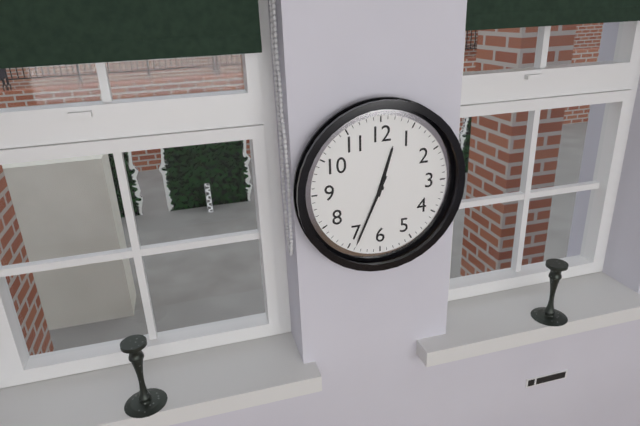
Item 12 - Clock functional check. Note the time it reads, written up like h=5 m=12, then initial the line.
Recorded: h=12 m=34
